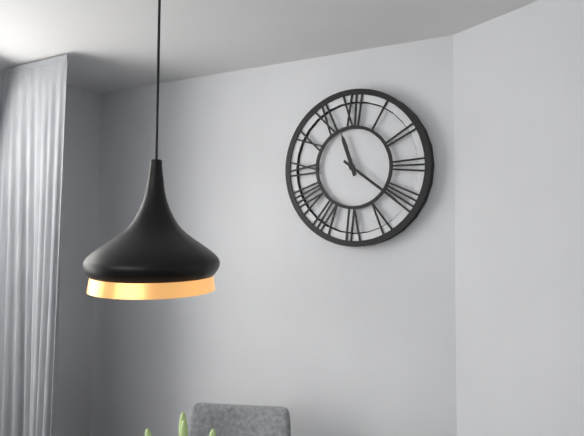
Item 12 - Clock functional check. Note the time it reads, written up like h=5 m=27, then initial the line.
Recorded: h=11 m=21
